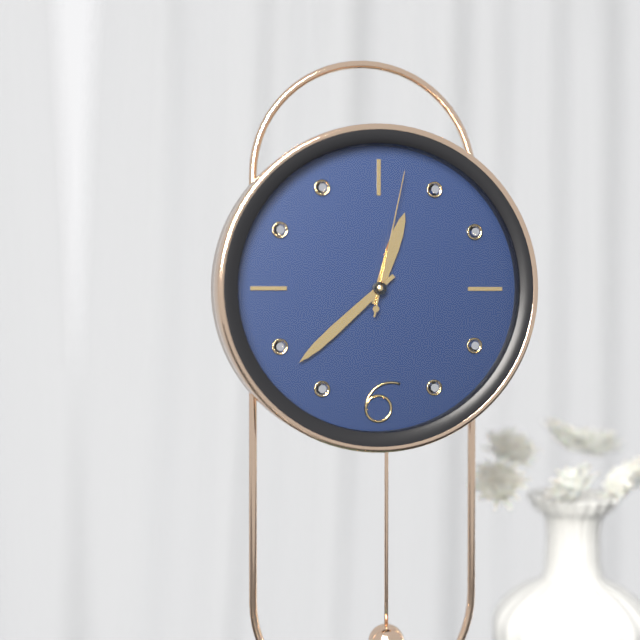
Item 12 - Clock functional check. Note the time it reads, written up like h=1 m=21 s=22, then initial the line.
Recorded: h=12 m=38 s=2
